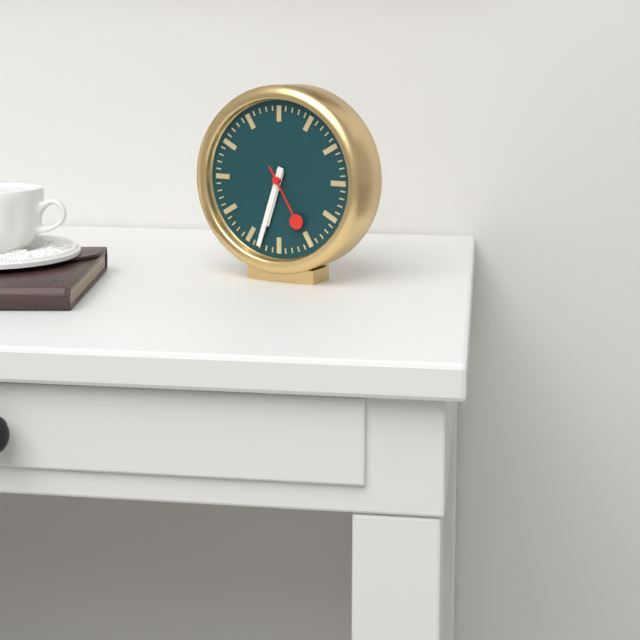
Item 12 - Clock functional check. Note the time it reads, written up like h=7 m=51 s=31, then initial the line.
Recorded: h=6 m=33 s=25
